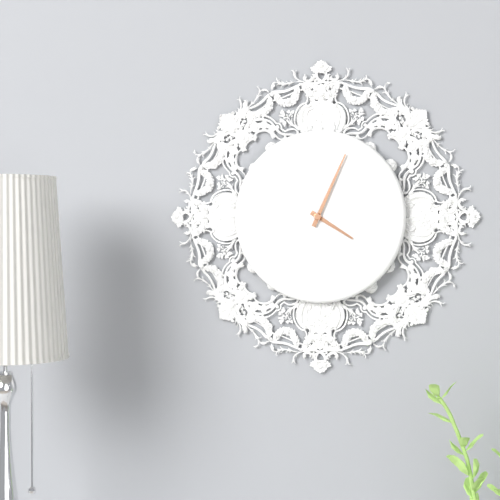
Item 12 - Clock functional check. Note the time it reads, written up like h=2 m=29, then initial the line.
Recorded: h=4 m=4
